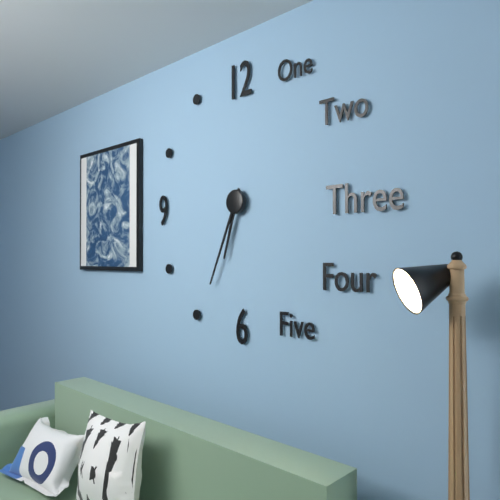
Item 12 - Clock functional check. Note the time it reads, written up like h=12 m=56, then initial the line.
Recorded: h=6 m=34
